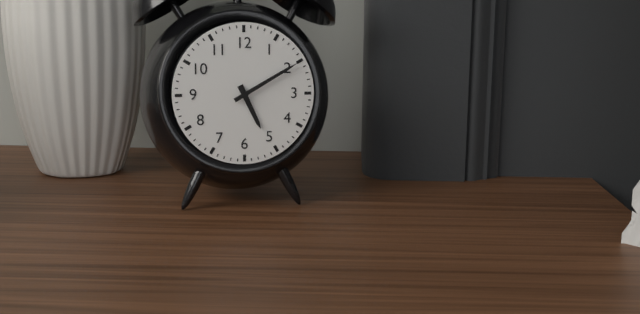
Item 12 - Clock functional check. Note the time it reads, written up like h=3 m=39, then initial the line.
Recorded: h=5 m=10
